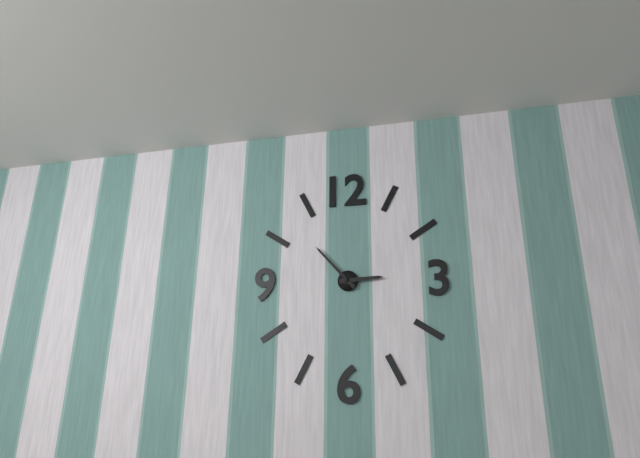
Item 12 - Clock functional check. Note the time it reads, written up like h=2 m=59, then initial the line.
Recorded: h=2 m=53
